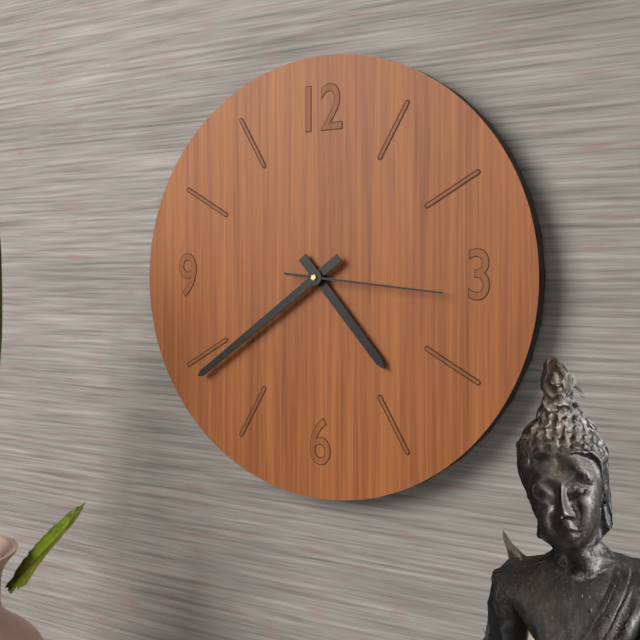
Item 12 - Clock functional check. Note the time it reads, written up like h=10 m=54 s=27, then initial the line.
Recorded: h=4 m=39 s=16
